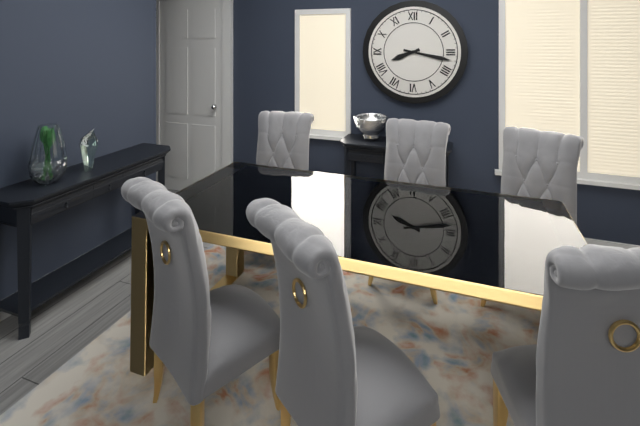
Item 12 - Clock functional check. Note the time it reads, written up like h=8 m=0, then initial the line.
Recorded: h=8 m=17
